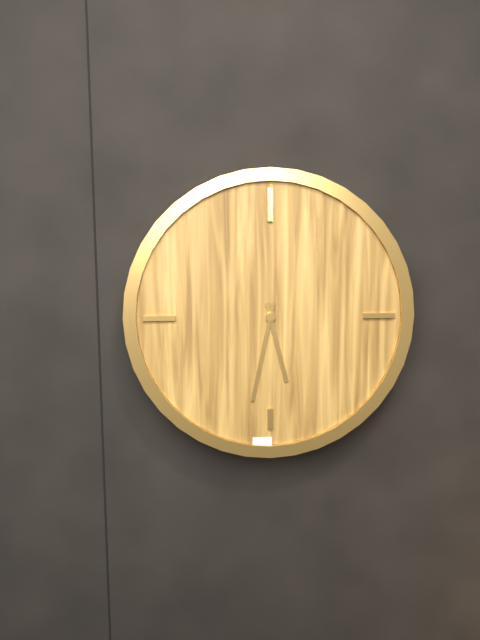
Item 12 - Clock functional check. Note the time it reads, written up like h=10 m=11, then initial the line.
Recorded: h=5 m=32
